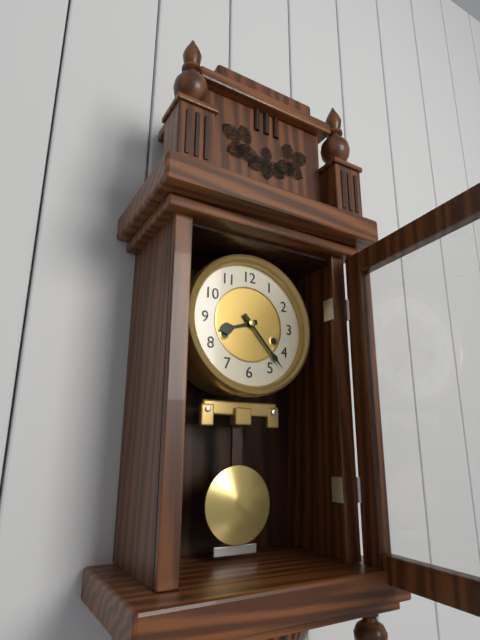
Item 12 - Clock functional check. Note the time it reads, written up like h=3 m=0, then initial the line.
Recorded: h=8 m=23
